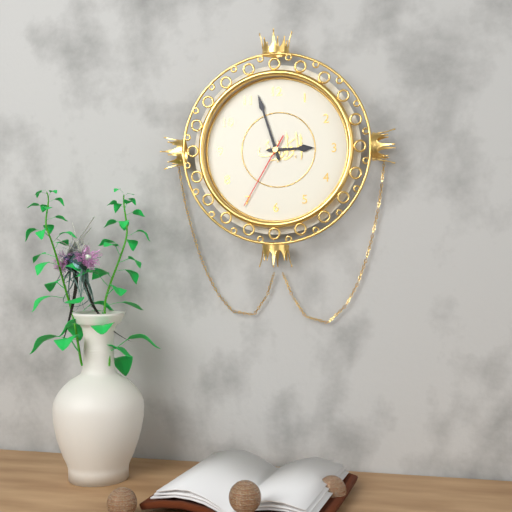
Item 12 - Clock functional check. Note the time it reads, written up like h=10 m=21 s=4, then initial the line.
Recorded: h=2 m=57 s=35
